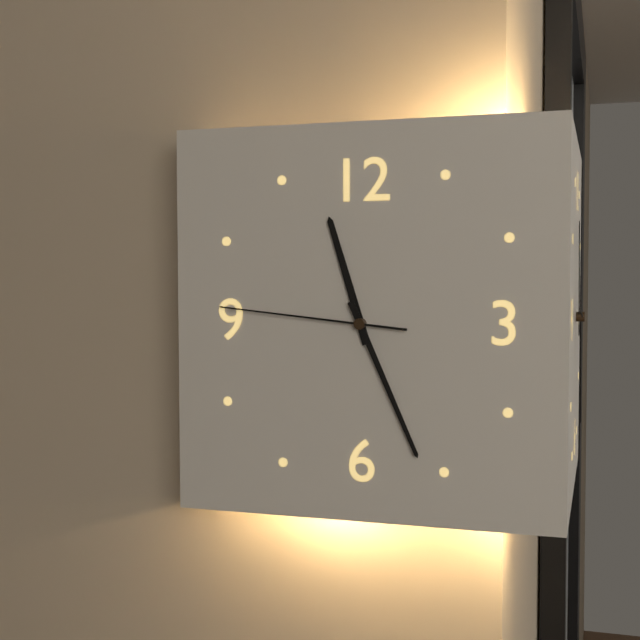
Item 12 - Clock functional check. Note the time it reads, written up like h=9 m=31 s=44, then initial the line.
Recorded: h=11 m=26 s=46
